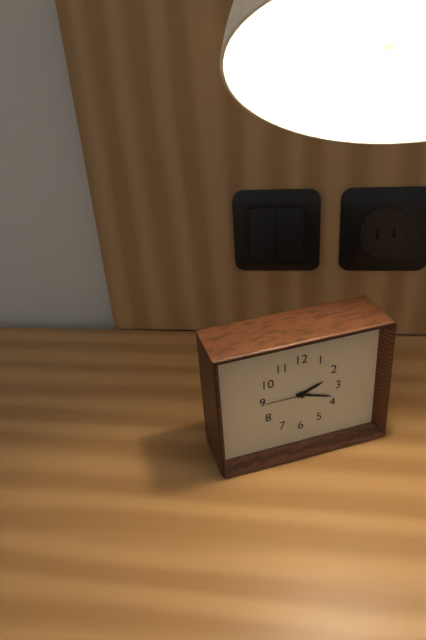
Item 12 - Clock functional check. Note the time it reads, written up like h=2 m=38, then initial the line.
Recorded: h=2 m=18
